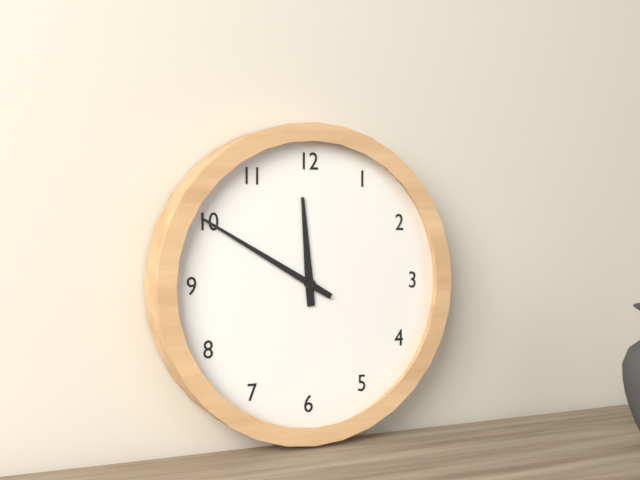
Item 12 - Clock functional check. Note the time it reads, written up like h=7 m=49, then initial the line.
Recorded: h=11 m=50
